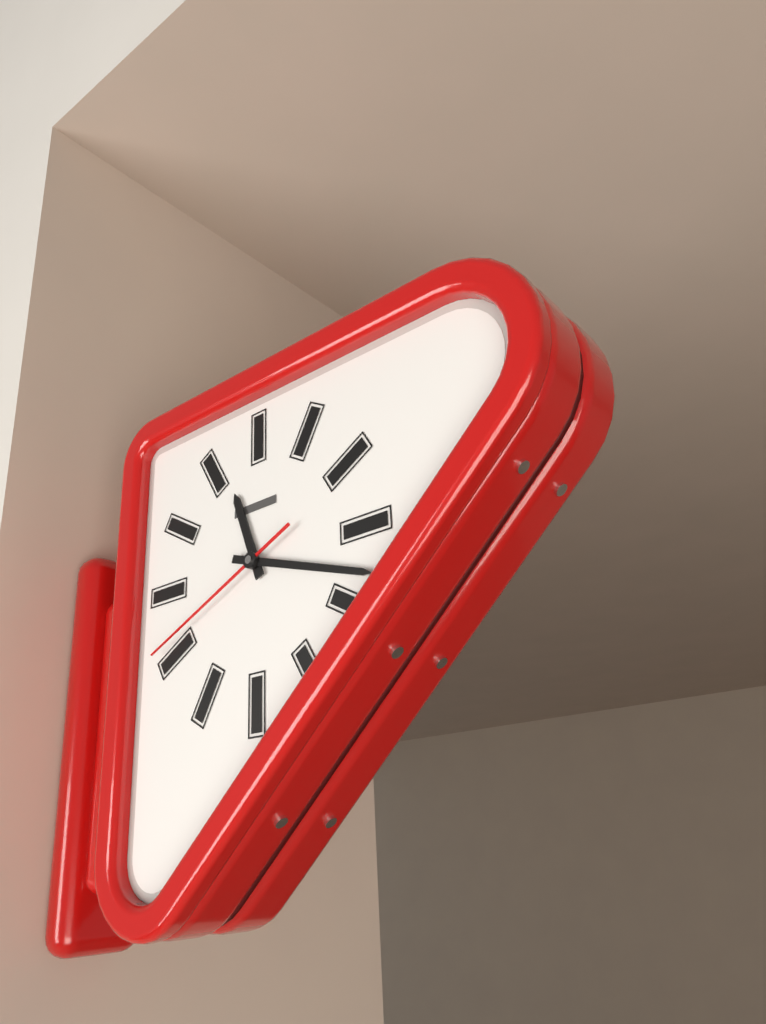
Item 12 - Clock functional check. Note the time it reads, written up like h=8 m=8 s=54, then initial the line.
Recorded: h=11 m=18 s=41
